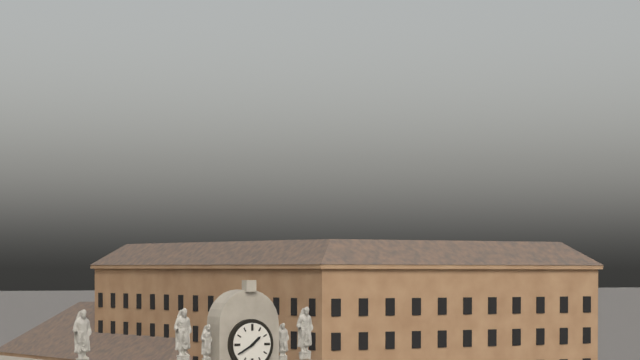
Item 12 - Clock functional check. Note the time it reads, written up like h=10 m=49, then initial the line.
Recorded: h=1 m=40
